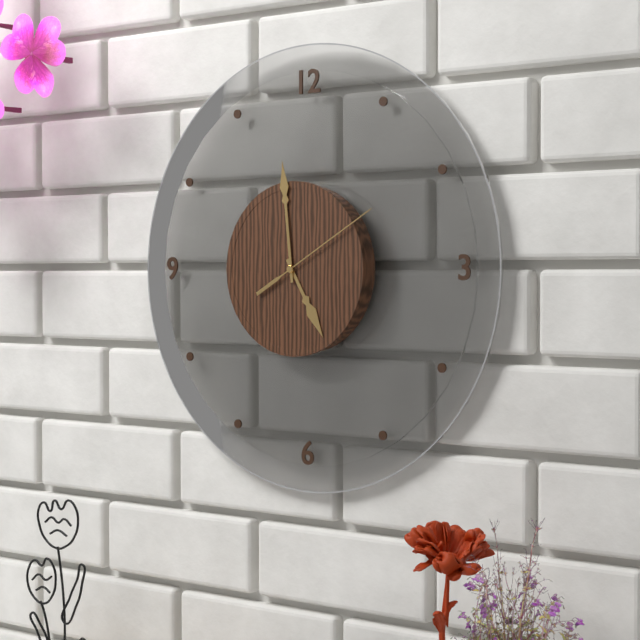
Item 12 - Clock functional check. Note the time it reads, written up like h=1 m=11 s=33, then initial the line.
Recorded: h=4 m=59 s=10
